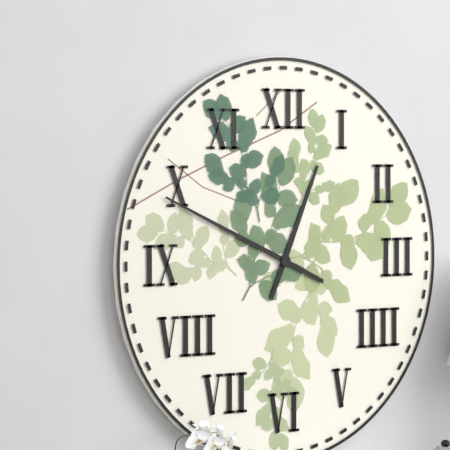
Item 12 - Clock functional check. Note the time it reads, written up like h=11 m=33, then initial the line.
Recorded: h=12 m=49
